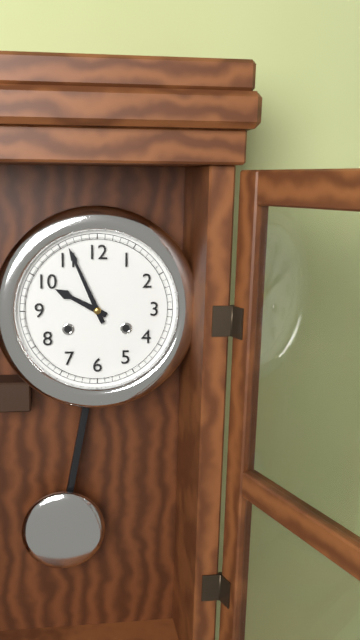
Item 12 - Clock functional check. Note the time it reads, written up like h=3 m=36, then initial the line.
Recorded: h=9 m=56
